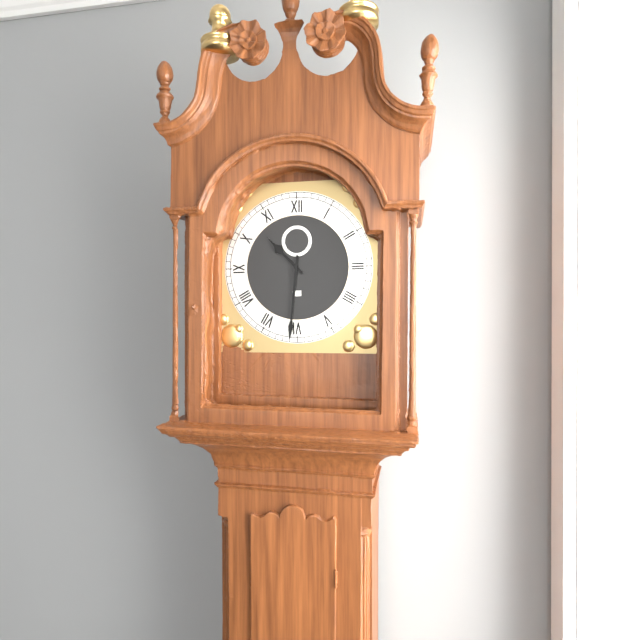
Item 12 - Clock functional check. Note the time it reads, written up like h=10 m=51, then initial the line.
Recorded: h=10 m=31
